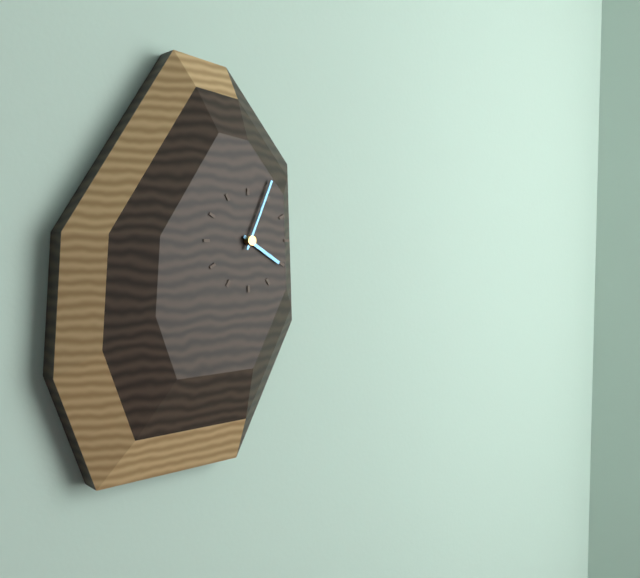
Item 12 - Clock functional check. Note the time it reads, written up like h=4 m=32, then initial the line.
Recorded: h=4 m=4
